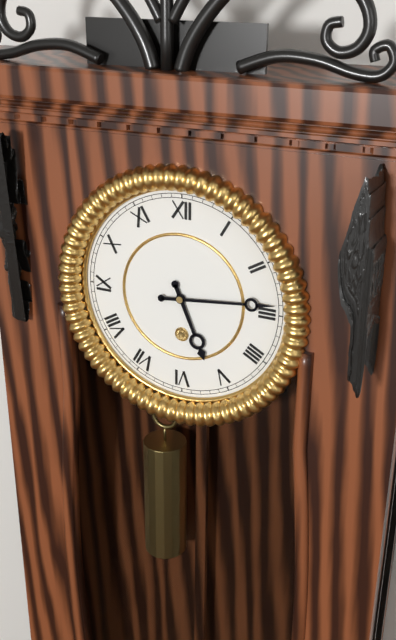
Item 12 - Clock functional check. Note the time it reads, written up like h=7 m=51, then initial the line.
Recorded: h=5 m=14
